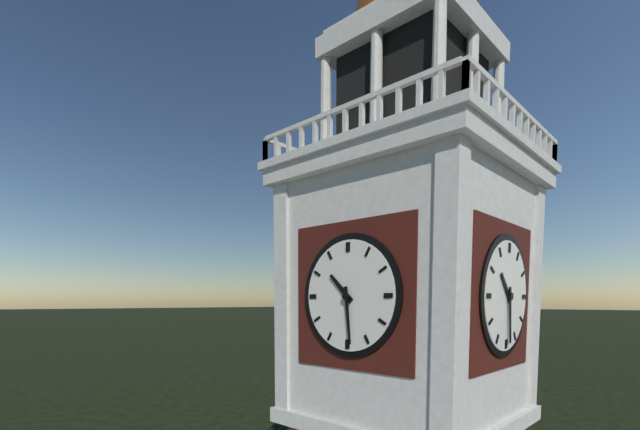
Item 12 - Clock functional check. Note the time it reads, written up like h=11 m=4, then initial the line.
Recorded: h=10 m=29
